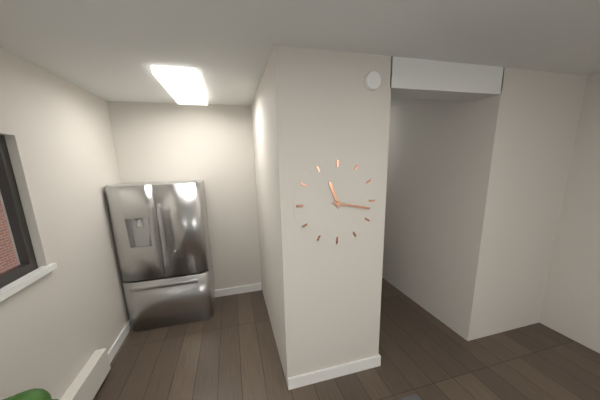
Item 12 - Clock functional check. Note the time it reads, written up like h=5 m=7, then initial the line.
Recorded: h=11 m=17
